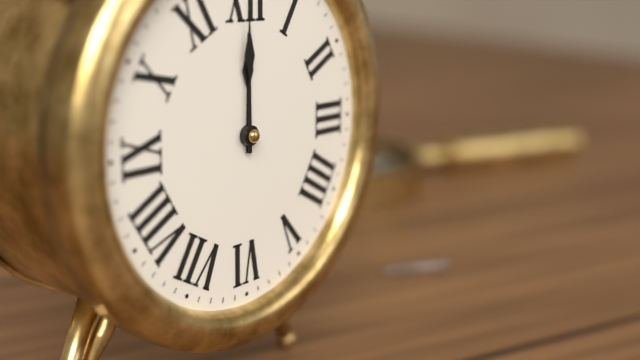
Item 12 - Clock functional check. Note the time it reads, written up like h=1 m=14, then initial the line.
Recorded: h=12 m=0
